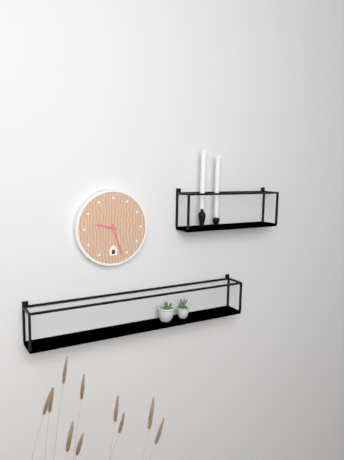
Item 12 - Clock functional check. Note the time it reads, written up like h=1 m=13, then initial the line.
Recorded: h=9 m=27
